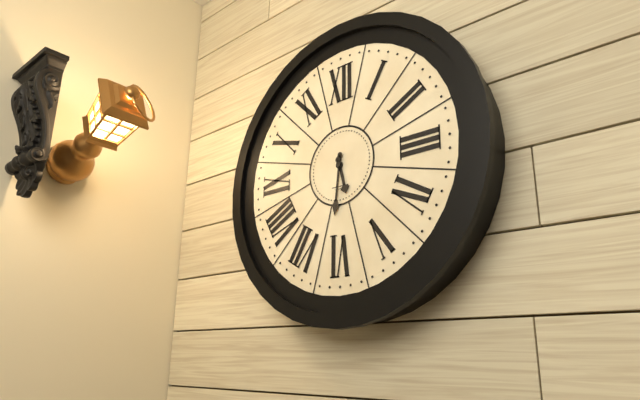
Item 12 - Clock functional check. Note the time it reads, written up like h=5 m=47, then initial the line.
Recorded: h=5 m=31
